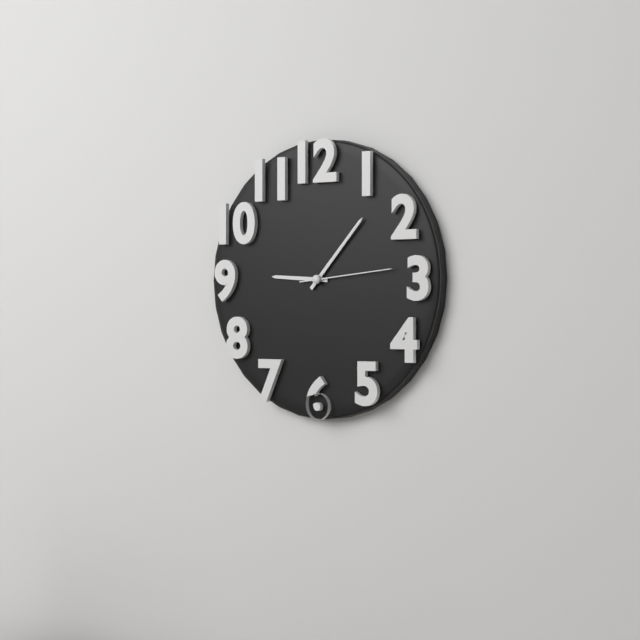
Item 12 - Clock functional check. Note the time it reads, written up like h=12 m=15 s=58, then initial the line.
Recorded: h=9 m=7 s=14
